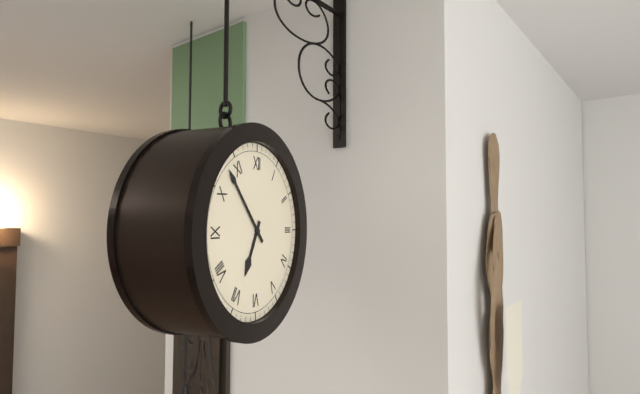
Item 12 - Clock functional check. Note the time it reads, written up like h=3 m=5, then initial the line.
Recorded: h=6 m=53
